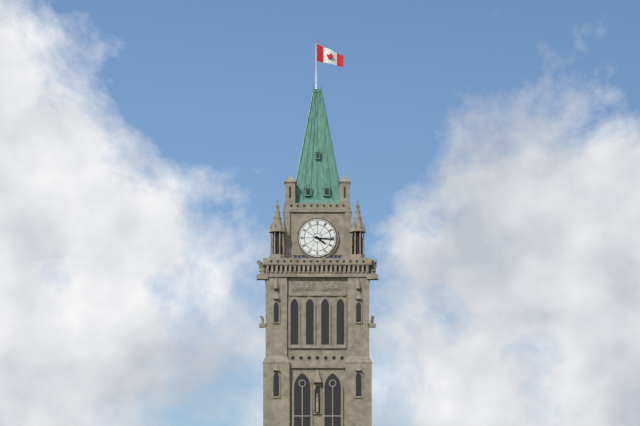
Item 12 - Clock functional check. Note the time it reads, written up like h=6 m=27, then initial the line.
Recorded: h=4 m=16
